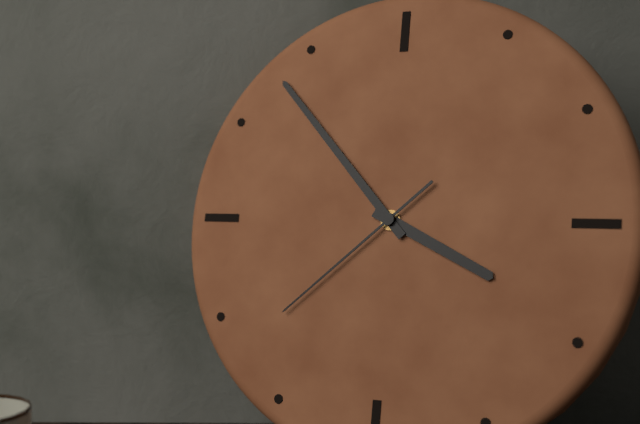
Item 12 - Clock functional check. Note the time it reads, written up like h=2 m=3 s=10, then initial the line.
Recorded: h=3 m=53 s=38
